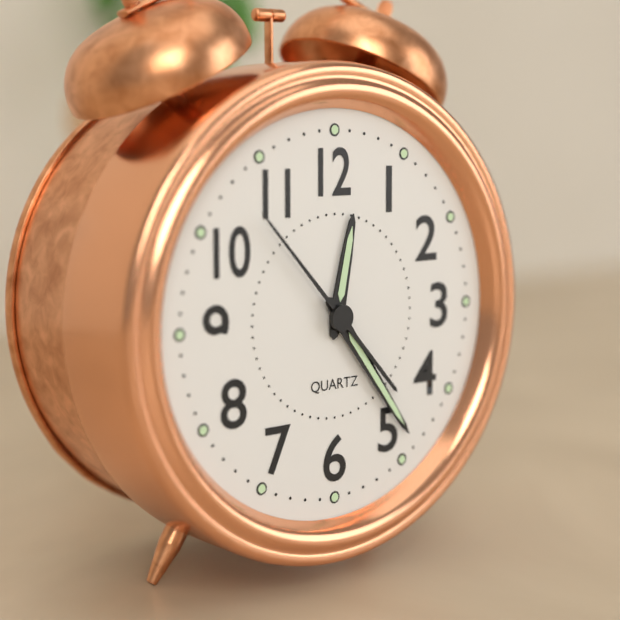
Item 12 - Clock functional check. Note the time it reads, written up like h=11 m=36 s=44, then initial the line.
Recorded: h=12 m=24 s=53
